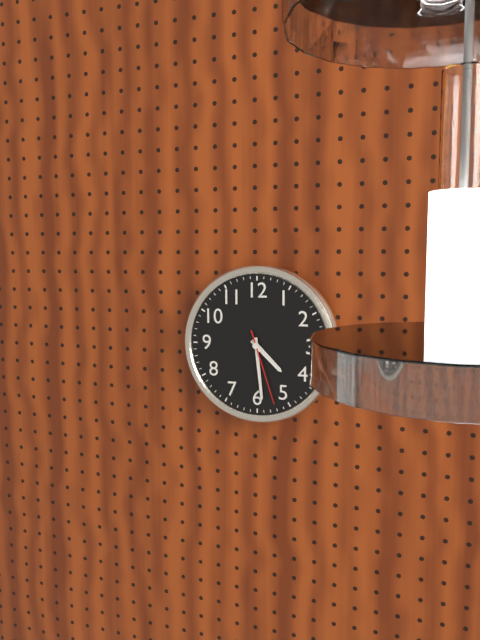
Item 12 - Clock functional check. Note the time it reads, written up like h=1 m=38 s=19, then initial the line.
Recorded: h=4 m=29 s=27
